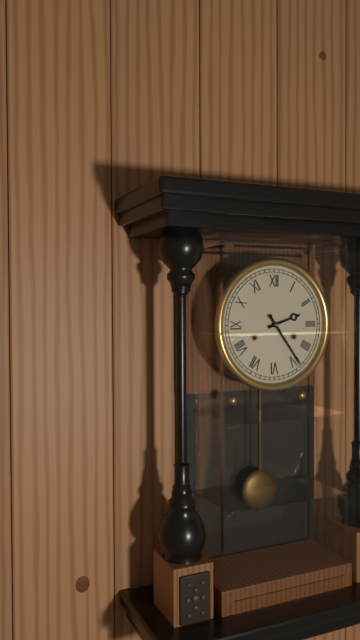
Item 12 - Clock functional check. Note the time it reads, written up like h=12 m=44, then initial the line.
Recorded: h=2 m=24
